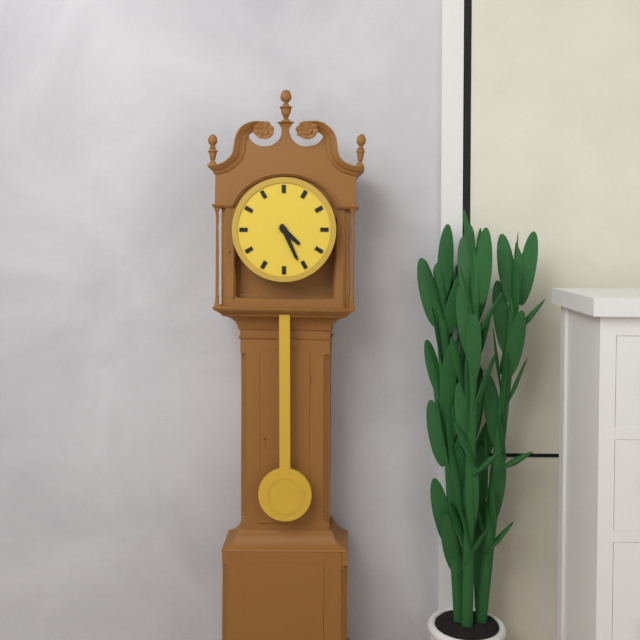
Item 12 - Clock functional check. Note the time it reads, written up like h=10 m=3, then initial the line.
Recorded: h=4 m=26
